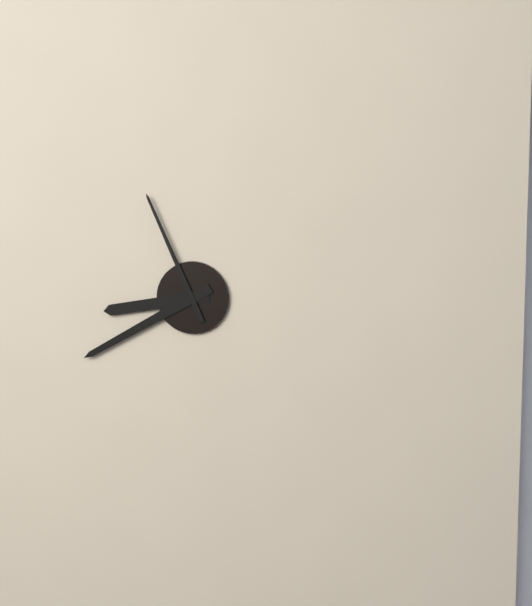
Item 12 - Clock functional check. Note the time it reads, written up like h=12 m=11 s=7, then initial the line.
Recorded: h=8 m=40 s=56
